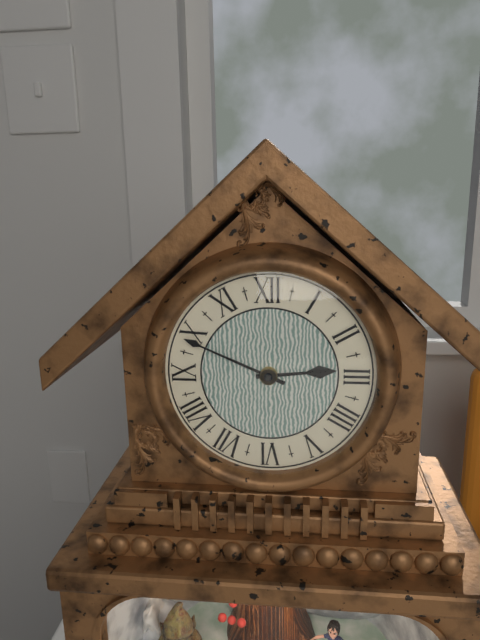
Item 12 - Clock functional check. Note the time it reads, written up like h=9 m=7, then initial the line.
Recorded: h=2 m=49
